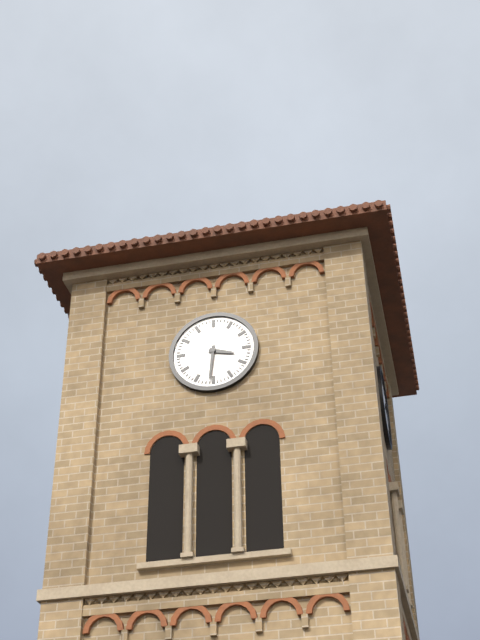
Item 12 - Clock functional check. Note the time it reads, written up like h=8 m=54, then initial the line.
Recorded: h=3 m=31
